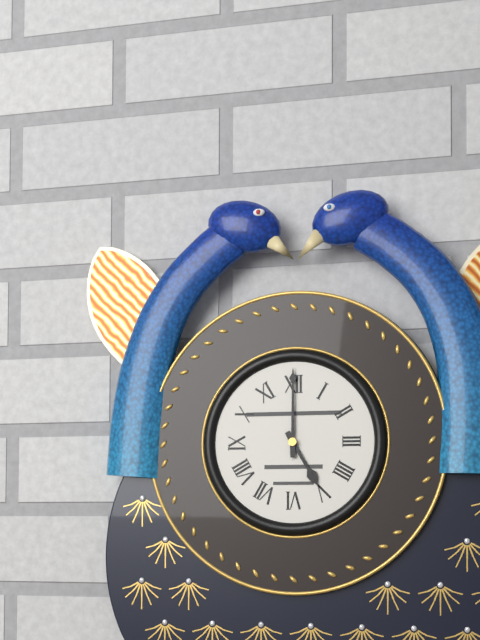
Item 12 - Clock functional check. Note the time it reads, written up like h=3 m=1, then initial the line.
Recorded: h=5 m=0
